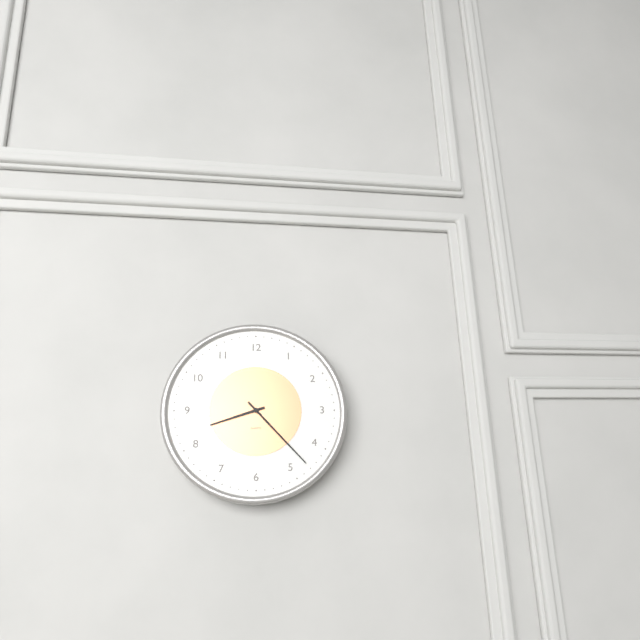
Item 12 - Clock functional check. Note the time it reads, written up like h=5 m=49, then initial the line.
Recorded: h=8 m=23
